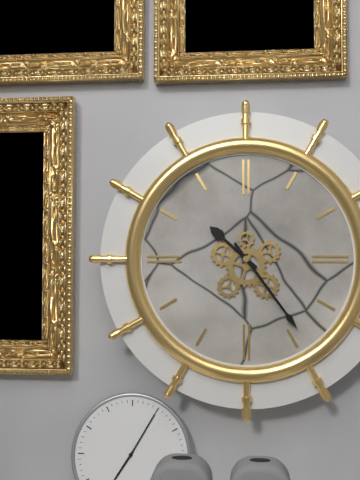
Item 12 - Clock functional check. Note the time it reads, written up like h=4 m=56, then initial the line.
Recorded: h=10 m=24
